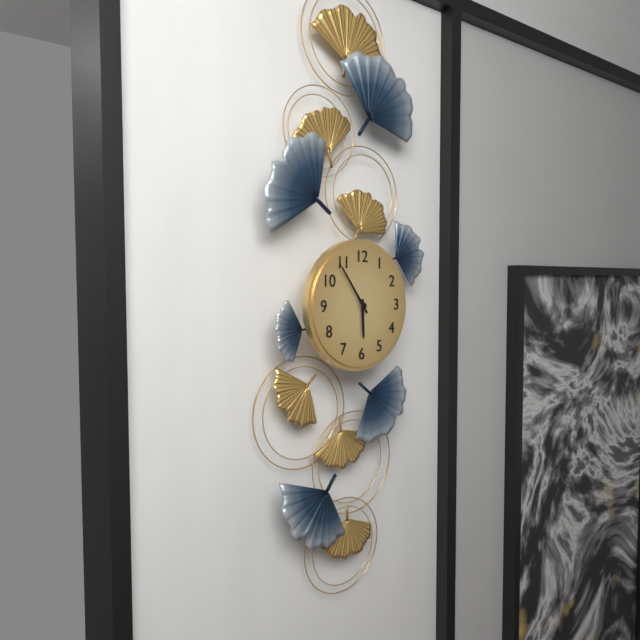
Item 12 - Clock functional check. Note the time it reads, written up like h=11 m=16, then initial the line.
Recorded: h=5 m=54
